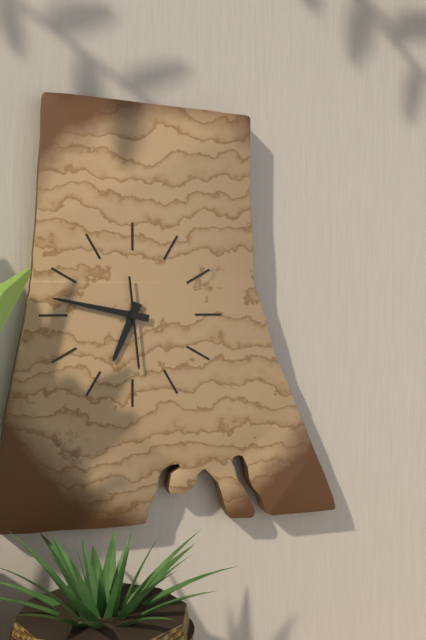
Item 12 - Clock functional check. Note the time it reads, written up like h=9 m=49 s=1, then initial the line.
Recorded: h=6 m=47 s=29
